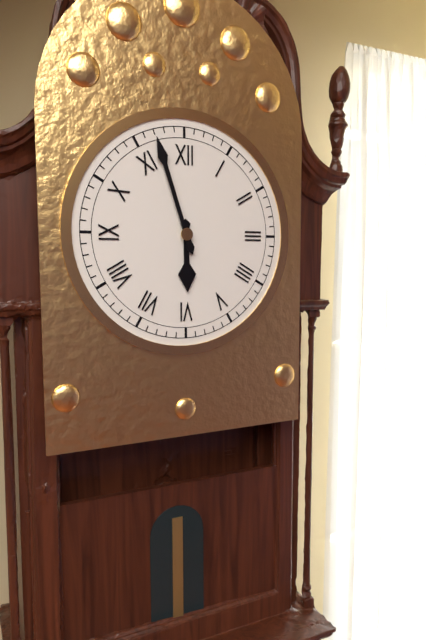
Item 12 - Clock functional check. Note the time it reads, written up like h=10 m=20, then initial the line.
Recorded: h=5 m=57
